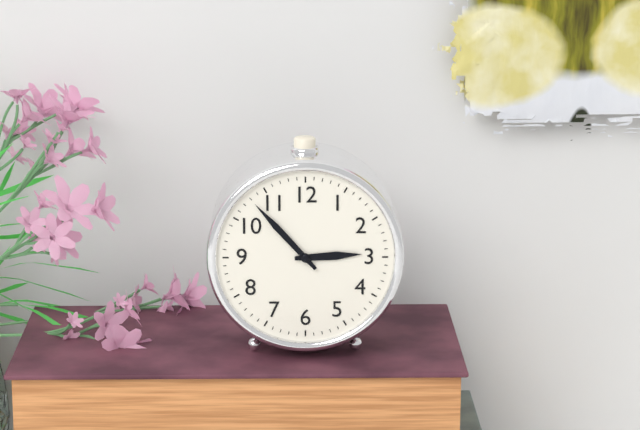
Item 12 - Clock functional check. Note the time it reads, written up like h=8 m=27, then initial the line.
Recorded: h=2 m=53
